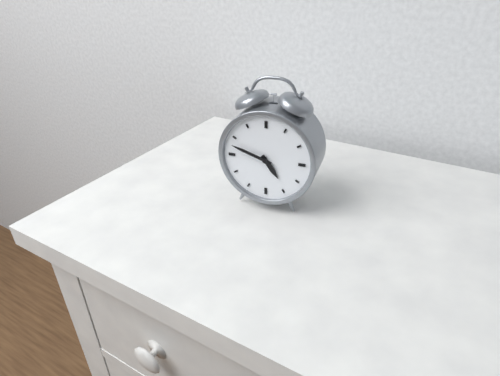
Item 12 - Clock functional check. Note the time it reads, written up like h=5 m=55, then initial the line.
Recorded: h=4 m=48
